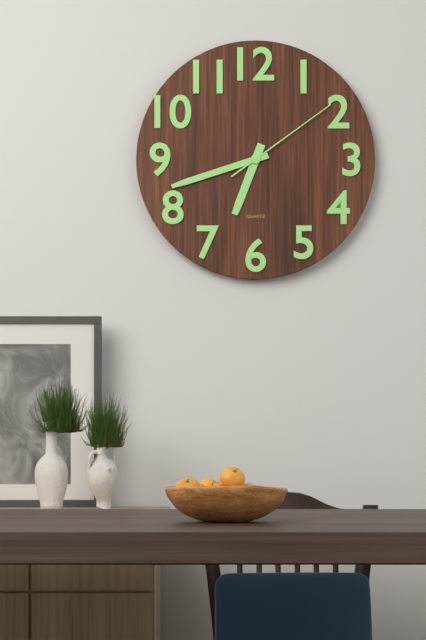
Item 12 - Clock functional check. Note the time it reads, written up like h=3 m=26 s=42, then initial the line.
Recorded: h=6 m=42 s=9
